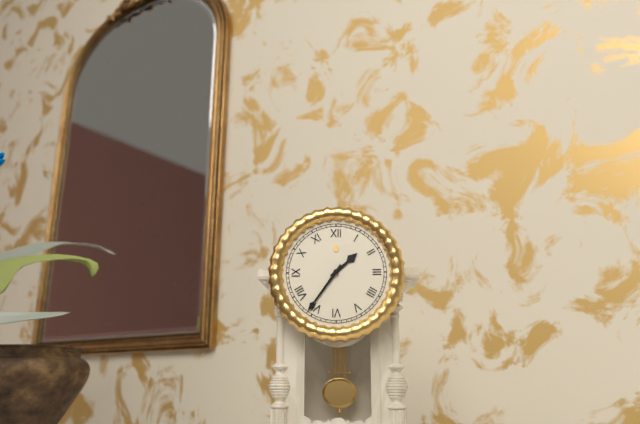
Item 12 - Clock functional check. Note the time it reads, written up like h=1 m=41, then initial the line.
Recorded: h=1 m=36
